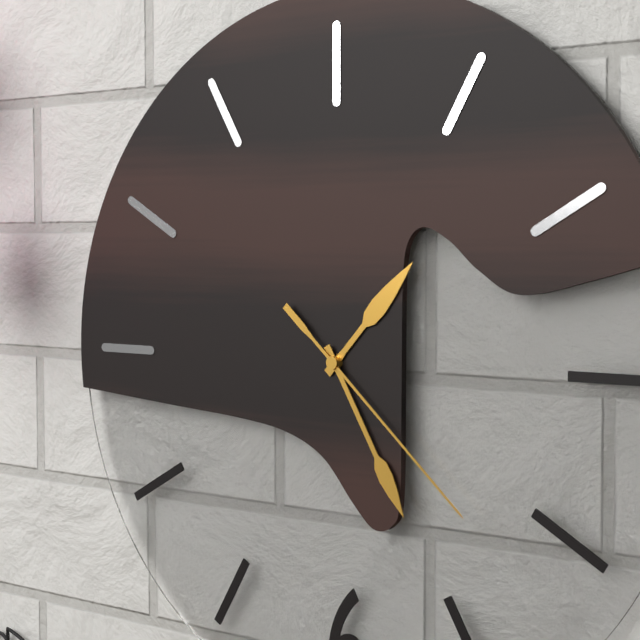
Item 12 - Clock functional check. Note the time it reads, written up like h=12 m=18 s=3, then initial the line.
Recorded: h=1 m=25 s=22
